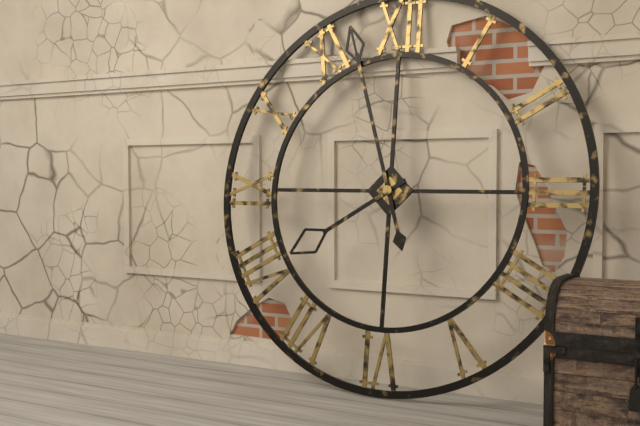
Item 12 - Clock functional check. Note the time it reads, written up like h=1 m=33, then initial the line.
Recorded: h=7 m=57
